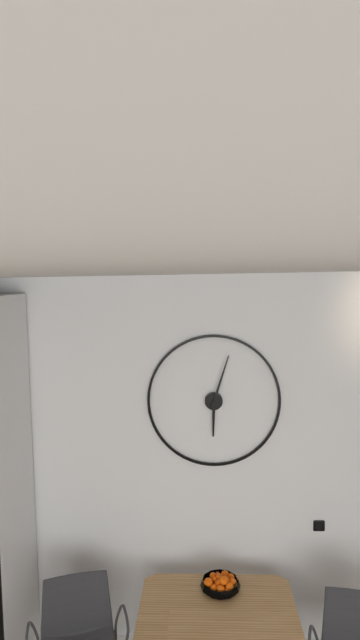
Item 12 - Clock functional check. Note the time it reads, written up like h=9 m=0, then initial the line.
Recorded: h=6 m=3
